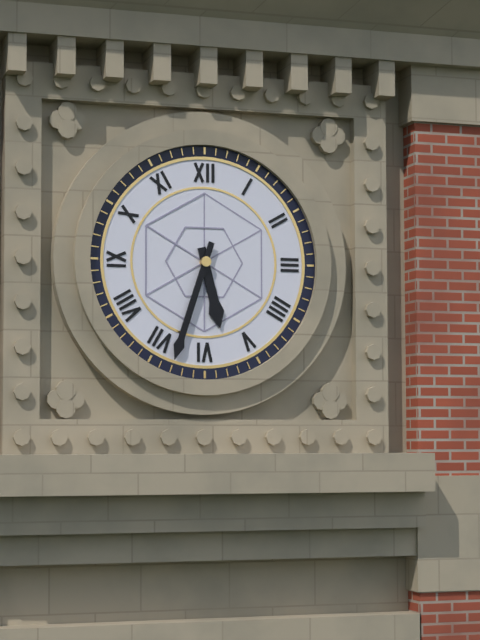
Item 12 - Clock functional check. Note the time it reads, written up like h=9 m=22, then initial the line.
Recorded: h=5 m=33
